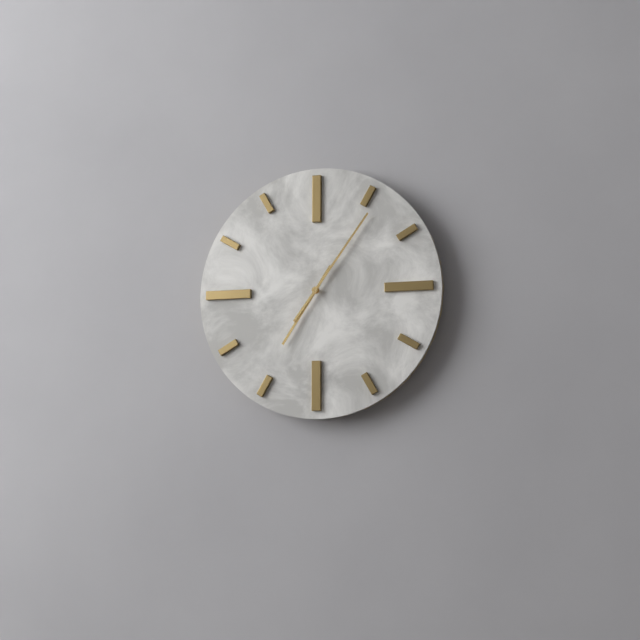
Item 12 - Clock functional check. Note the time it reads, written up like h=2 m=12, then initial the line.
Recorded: h=7 m=6
